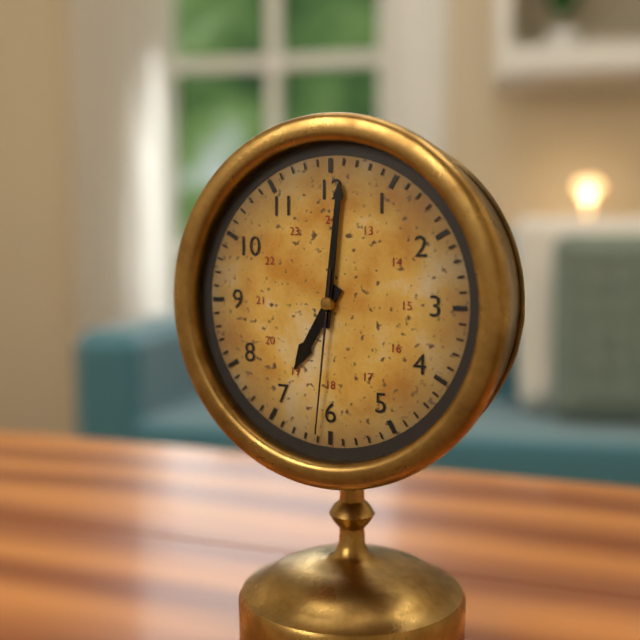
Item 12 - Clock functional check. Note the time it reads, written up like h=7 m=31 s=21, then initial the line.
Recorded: h=7 m=1 s=31
